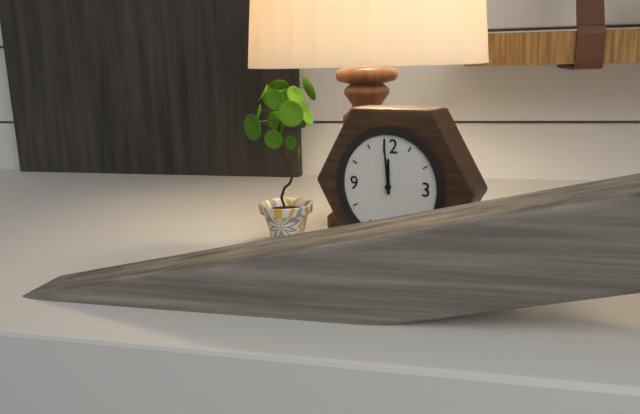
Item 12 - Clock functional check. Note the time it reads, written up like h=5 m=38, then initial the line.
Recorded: h=11 m=59
